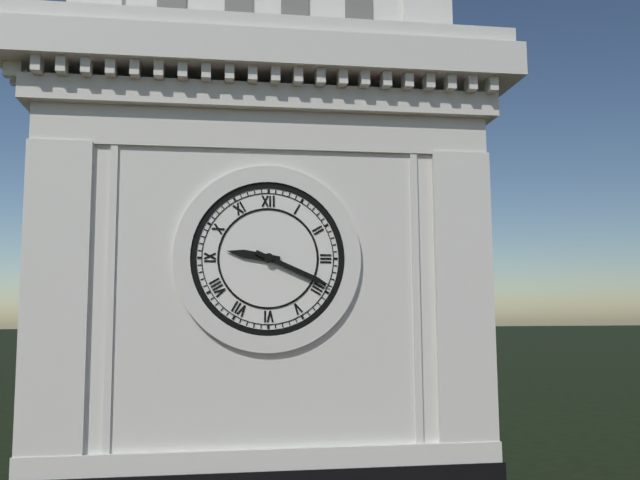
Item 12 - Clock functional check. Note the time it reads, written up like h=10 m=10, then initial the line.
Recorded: h=9 m=19
